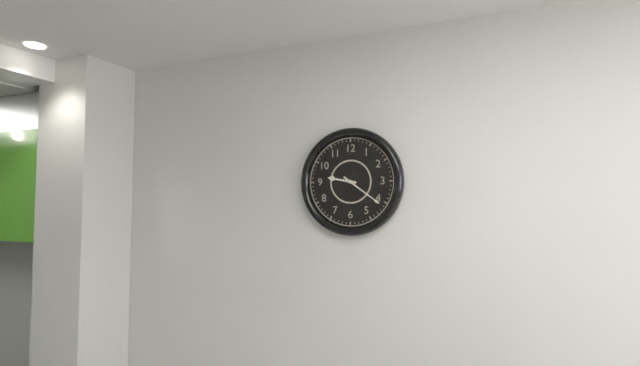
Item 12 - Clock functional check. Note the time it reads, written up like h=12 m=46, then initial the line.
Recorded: h=9 m=21
